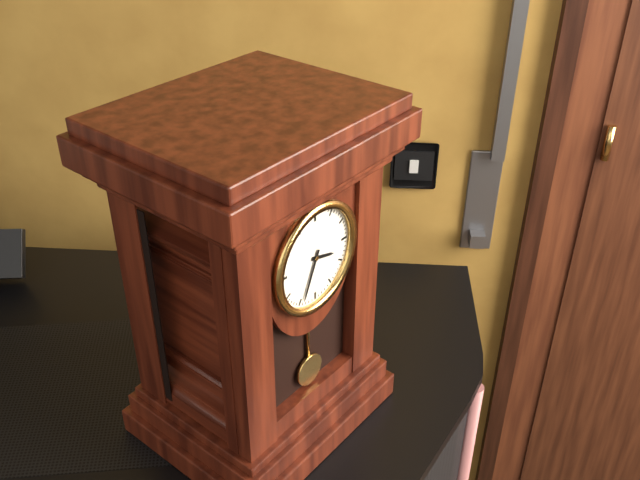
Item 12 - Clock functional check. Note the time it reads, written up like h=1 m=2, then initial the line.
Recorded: h=3 m=34
